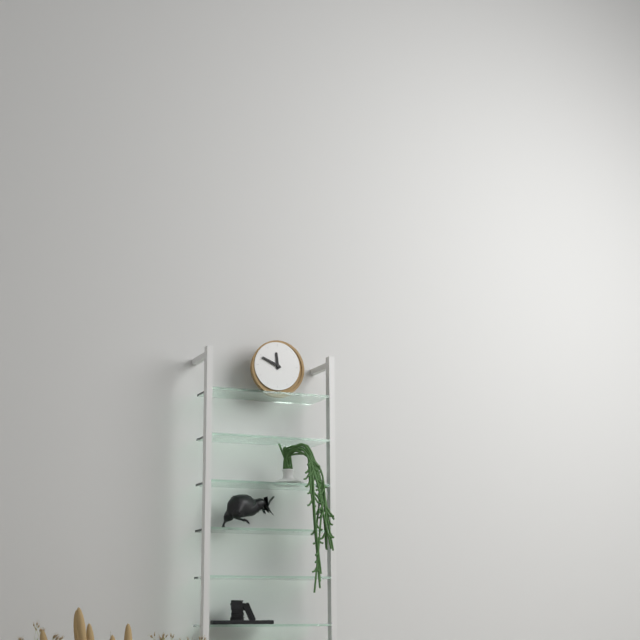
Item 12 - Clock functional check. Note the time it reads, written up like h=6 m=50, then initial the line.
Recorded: h=11 m=49
